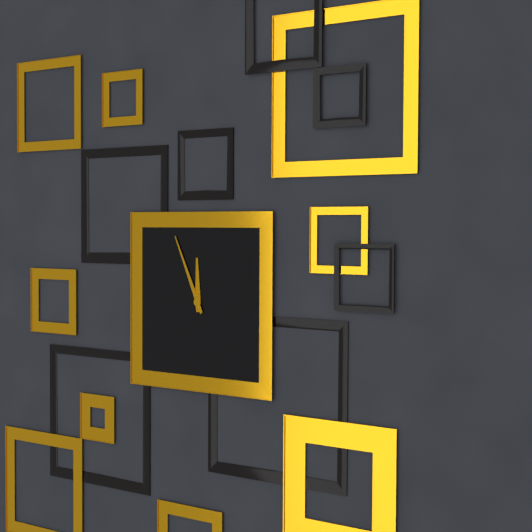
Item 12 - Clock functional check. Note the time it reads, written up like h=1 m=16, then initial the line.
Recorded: h=11 m=56
